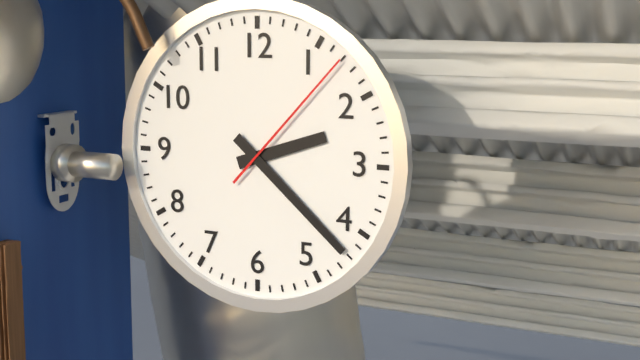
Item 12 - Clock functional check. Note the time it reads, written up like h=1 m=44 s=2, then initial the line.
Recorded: h=2 m=22 s=7
